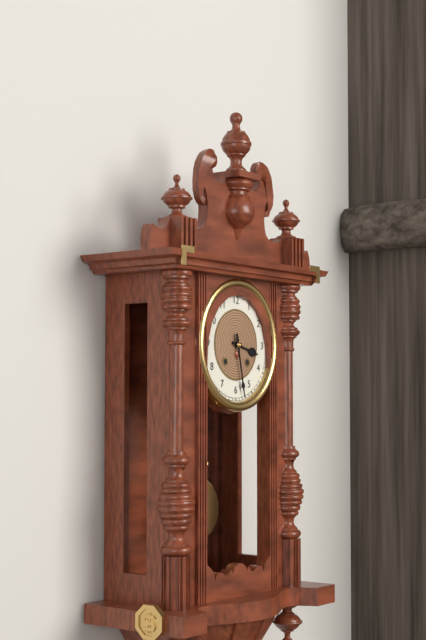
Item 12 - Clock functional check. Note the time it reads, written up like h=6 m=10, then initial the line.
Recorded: h=3 m=28
